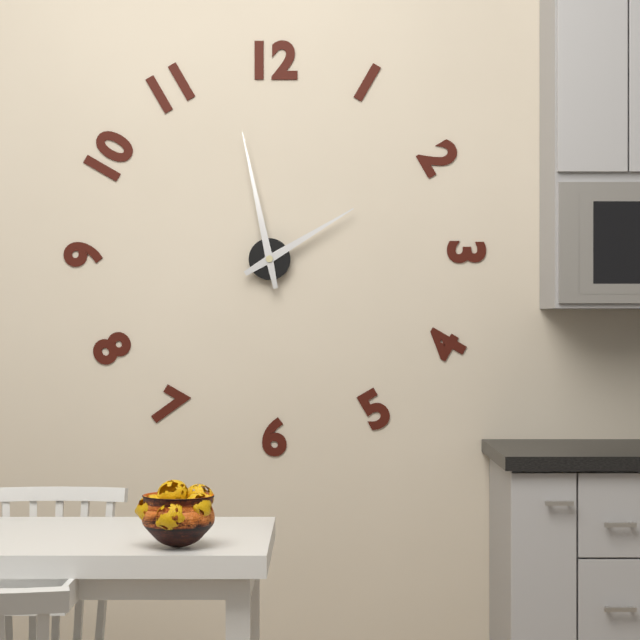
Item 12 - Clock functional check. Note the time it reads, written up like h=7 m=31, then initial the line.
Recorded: h=1 m=58
